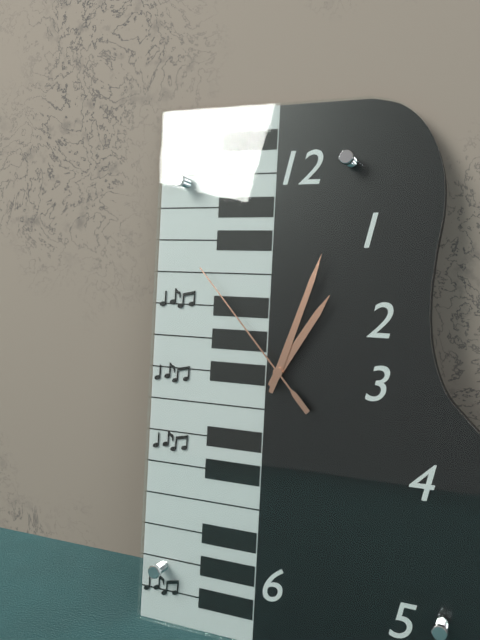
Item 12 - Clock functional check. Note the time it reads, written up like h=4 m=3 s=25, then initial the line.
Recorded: h=1 m=3 s=53
